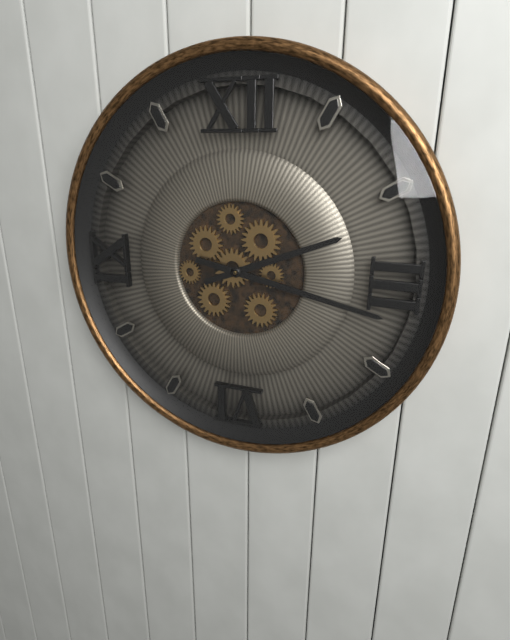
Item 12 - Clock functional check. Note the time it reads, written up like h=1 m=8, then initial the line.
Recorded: h=2 m=17
